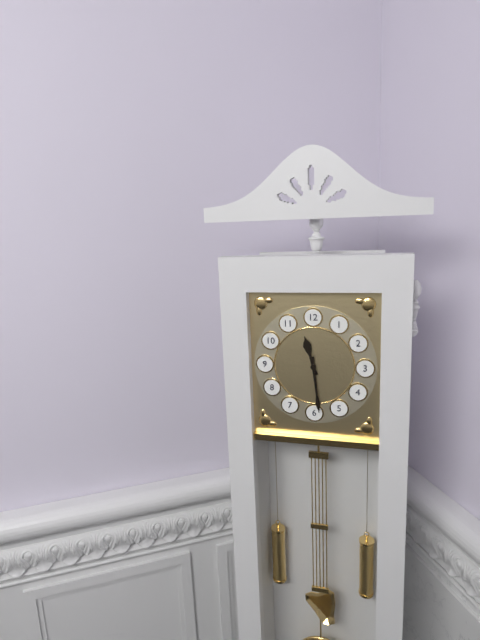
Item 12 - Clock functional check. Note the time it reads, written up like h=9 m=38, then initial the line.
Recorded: h=11 m=29
